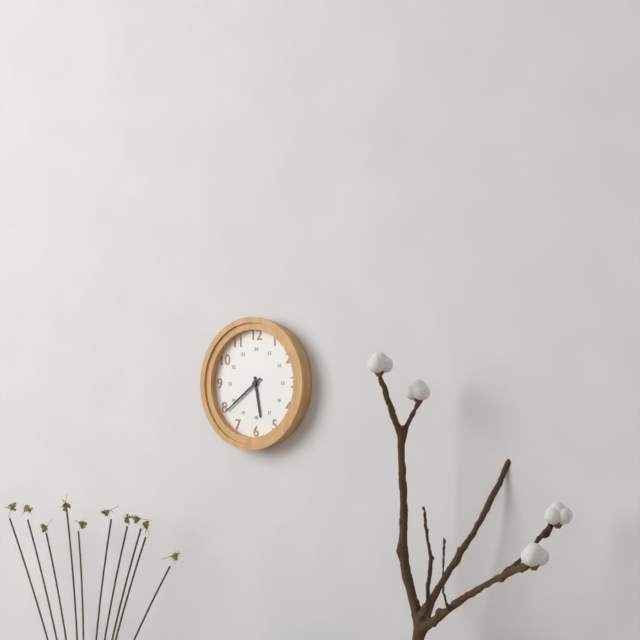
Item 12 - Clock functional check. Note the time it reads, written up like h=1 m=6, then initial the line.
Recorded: h=5 m=39
